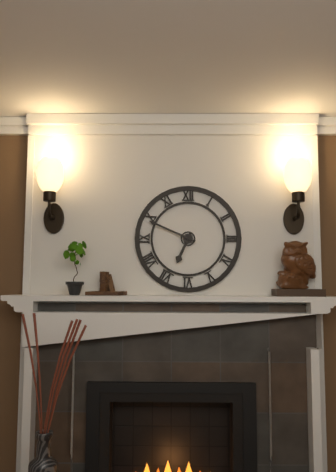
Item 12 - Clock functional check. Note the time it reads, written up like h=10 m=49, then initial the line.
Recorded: h=6 m=49
